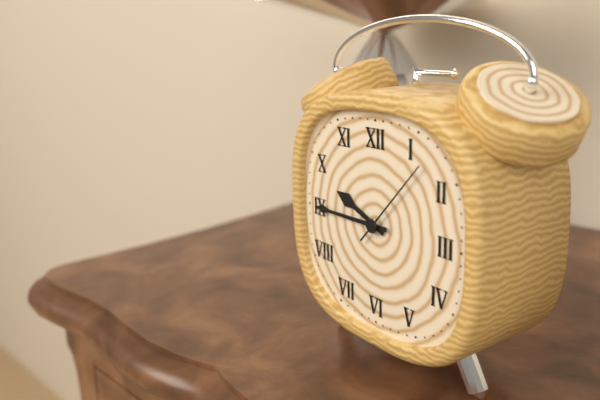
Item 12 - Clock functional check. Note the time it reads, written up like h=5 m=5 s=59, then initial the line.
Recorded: h=9 m=45 s=7
